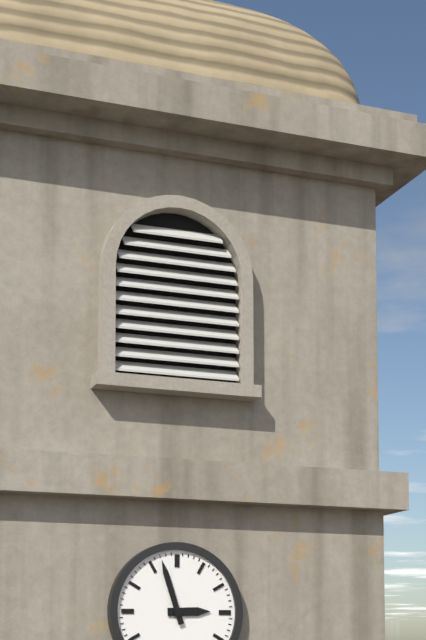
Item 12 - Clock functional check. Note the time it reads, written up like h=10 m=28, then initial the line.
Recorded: h=2 m=57
